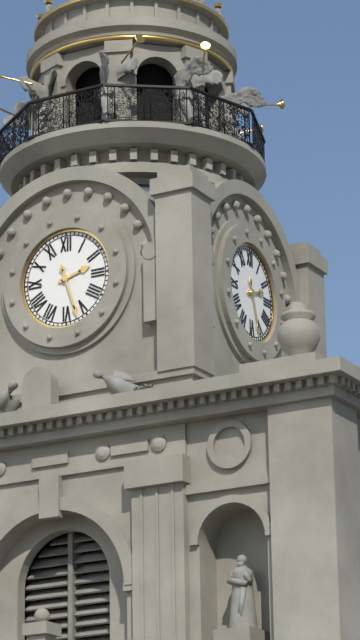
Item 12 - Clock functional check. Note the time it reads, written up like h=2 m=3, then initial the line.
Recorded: h=2 m=27
